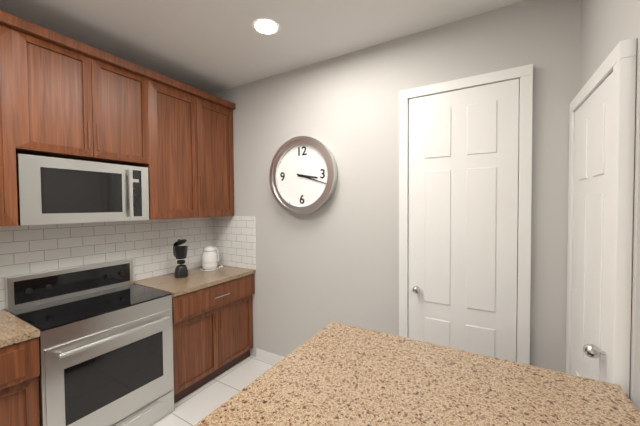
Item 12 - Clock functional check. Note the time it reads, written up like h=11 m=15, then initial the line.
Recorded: h=3 m=18
